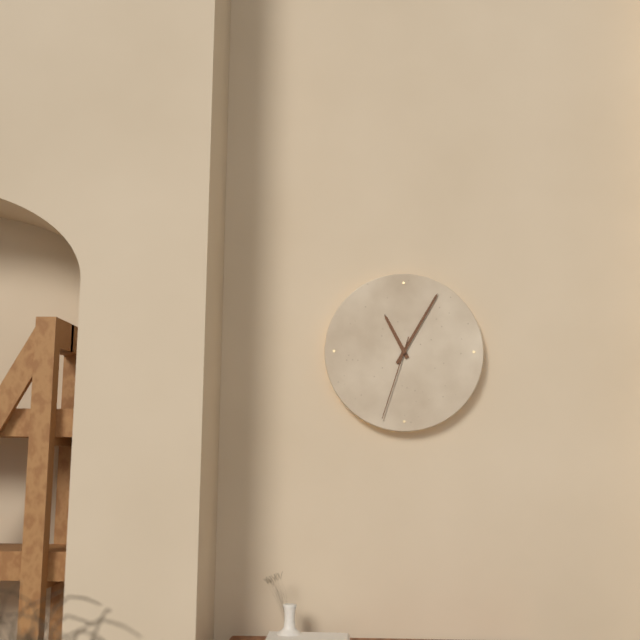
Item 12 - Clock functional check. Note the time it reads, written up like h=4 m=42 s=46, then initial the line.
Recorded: h=11 m=5 s=33
